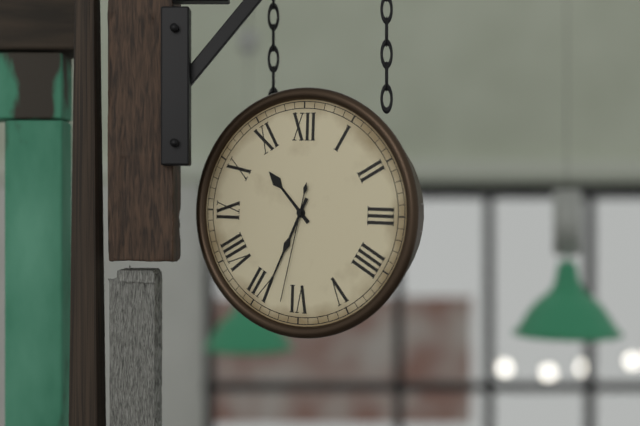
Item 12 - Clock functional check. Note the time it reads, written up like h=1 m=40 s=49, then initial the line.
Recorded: h=10 m=34 s=32
